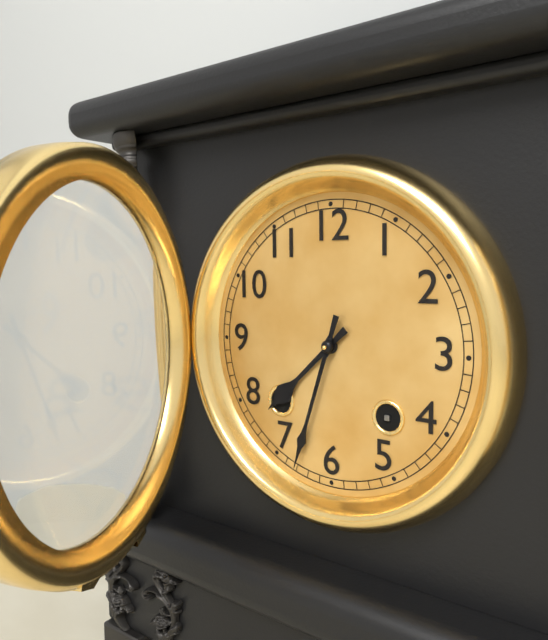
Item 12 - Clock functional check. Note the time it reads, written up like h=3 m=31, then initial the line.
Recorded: h=7 m=33
